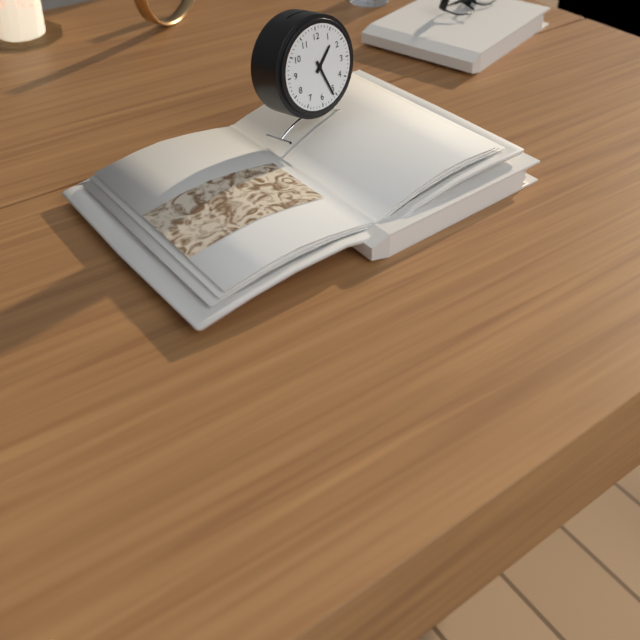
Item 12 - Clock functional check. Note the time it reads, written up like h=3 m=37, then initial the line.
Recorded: h=1 m=26
